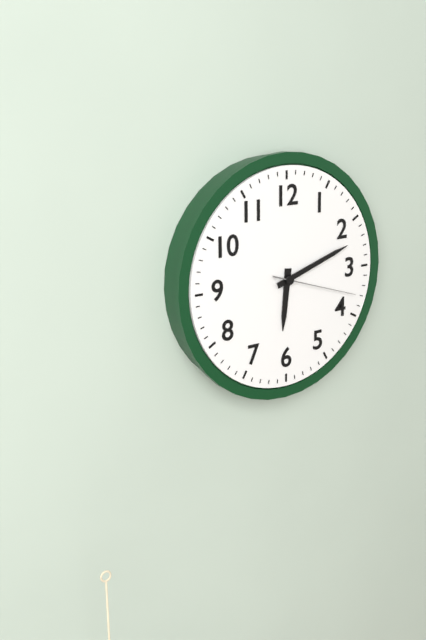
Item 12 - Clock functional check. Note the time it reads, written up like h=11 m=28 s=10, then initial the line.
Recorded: h=6 m=12 s=18
